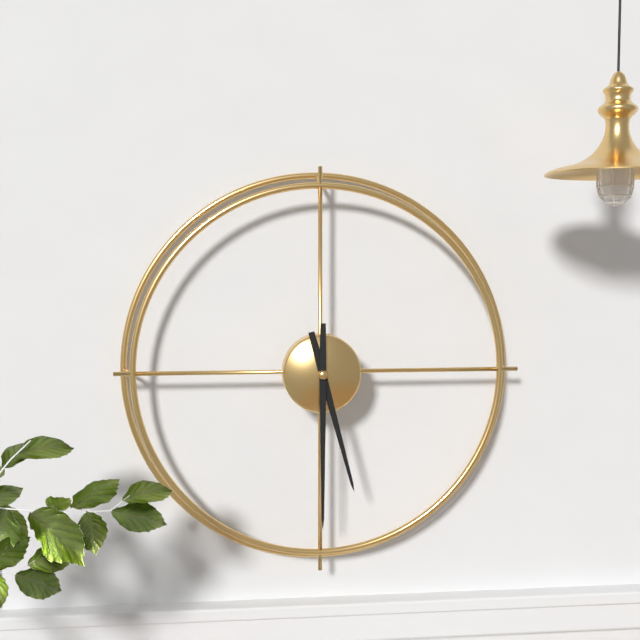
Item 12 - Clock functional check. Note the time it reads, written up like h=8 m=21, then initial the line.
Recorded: h=5 m=30
